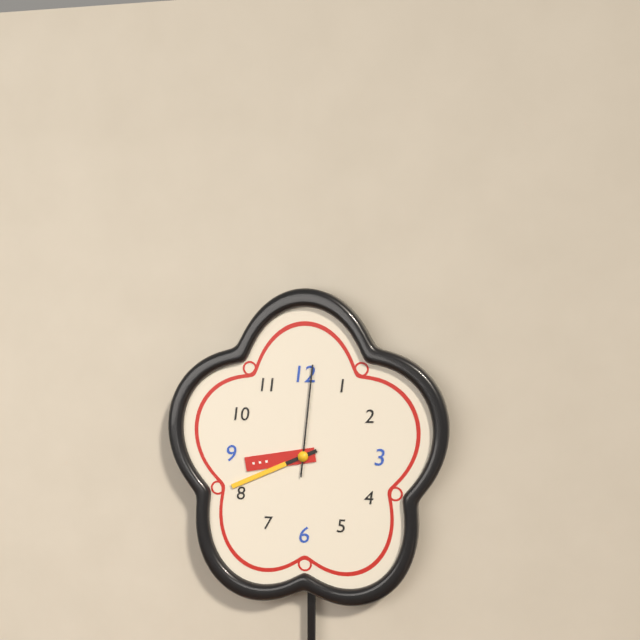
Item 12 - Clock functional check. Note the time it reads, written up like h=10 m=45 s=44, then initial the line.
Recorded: h=8 m=41 s=1
